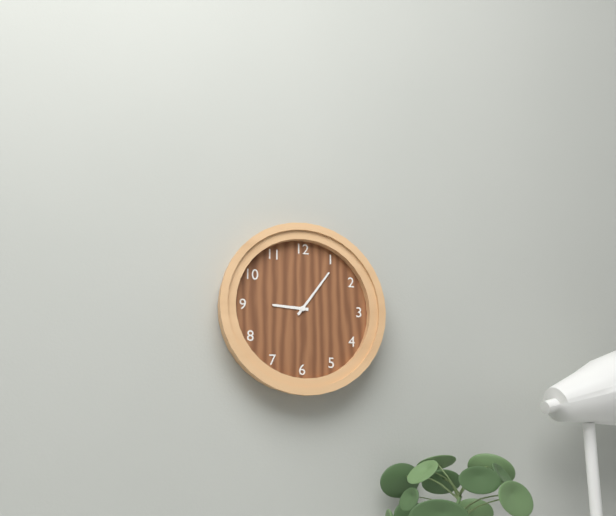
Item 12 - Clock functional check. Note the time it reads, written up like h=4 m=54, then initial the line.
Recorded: h=9 m=6
